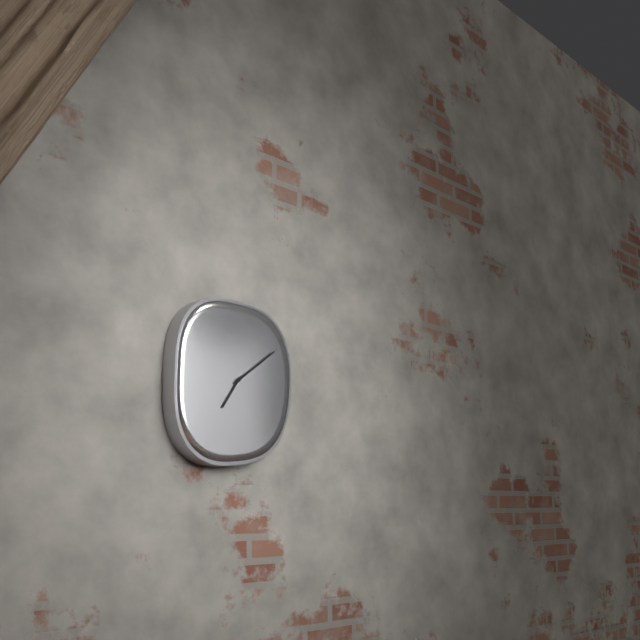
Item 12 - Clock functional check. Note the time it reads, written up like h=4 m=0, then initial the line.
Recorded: h=7 m=9
